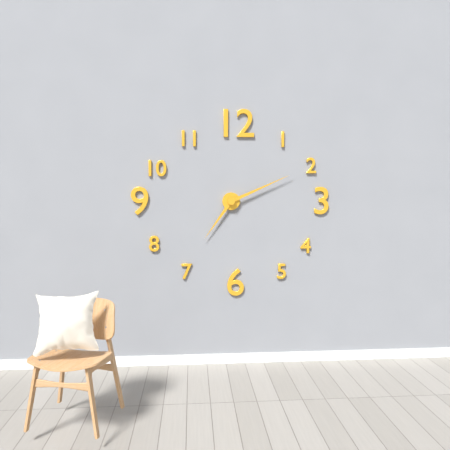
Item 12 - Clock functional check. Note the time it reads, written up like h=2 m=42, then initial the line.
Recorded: h=7 m=11
